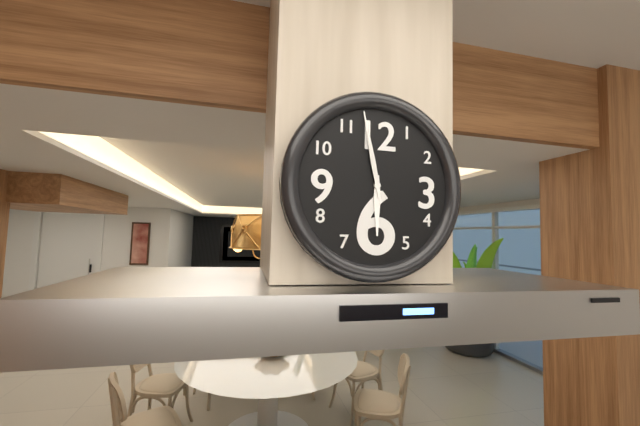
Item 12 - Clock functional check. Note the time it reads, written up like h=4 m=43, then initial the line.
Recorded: h=5 m=58
